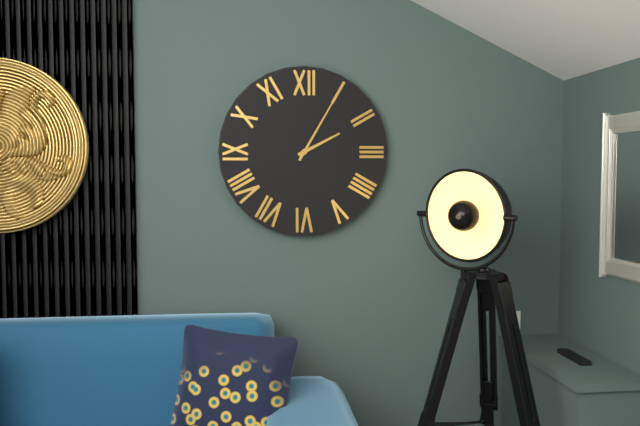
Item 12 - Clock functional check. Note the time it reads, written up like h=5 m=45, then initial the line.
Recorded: h=2 m=5
